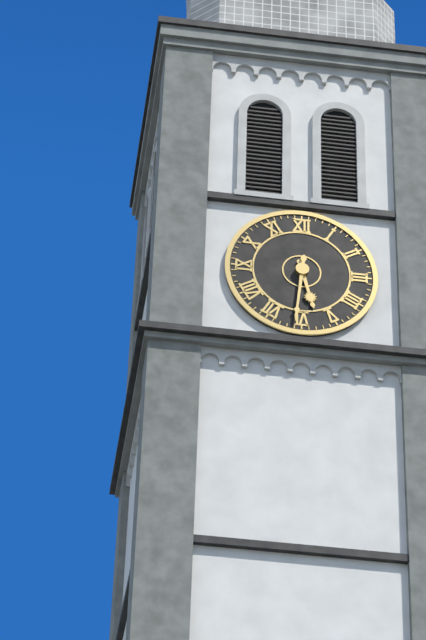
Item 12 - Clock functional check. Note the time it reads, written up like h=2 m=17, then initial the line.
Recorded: h=5 m=31
